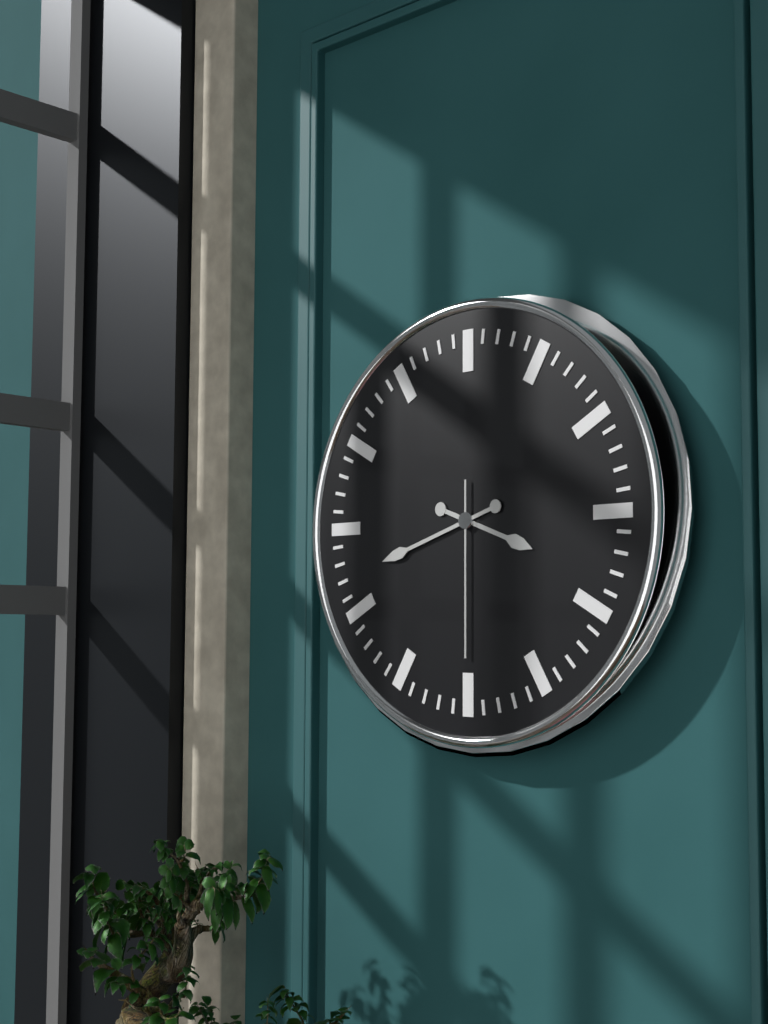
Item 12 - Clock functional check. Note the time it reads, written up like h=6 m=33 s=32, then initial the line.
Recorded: h=3 m=42 s=30
